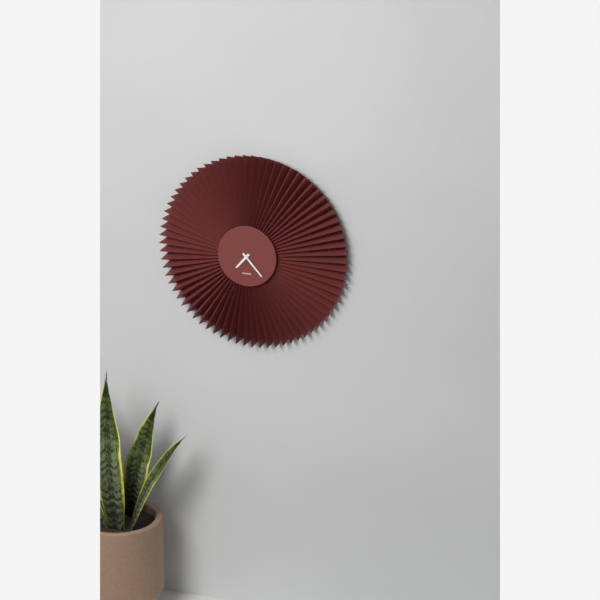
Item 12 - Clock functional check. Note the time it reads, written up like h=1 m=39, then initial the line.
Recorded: h=7 m=23
